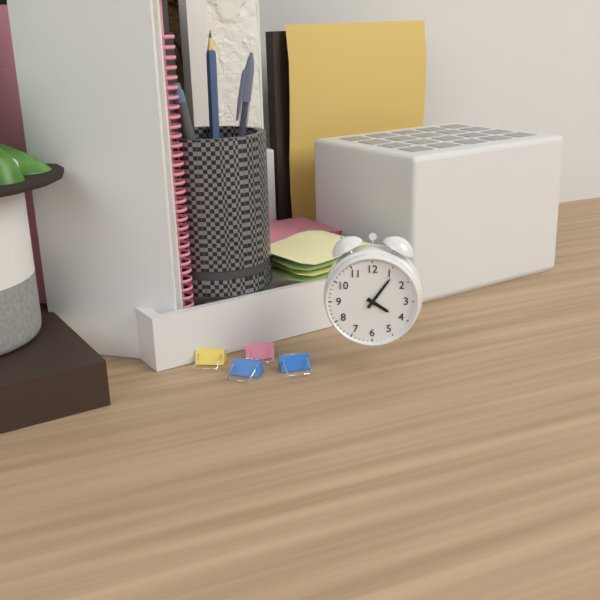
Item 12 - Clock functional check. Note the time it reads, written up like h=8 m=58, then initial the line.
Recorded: h=4 m=6
